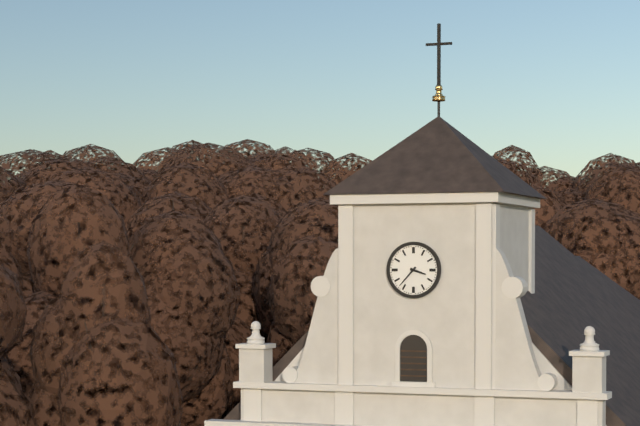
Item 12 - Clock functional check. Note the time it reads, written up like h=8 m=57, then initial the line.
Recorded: h=3 m=37
